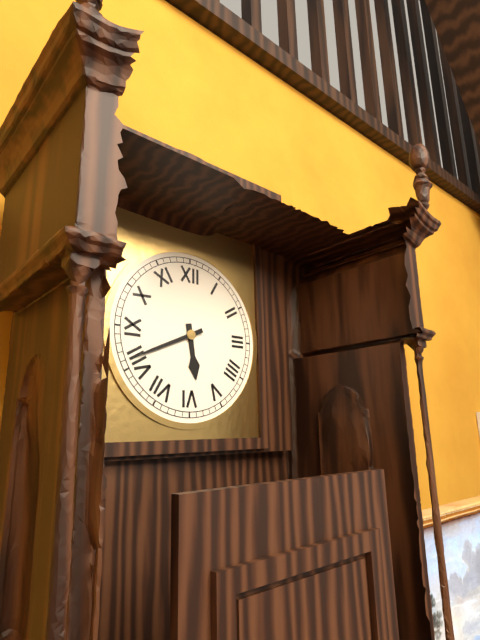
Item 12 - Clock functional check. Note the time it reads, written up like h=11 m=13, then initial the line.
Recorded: h=5 m=41
